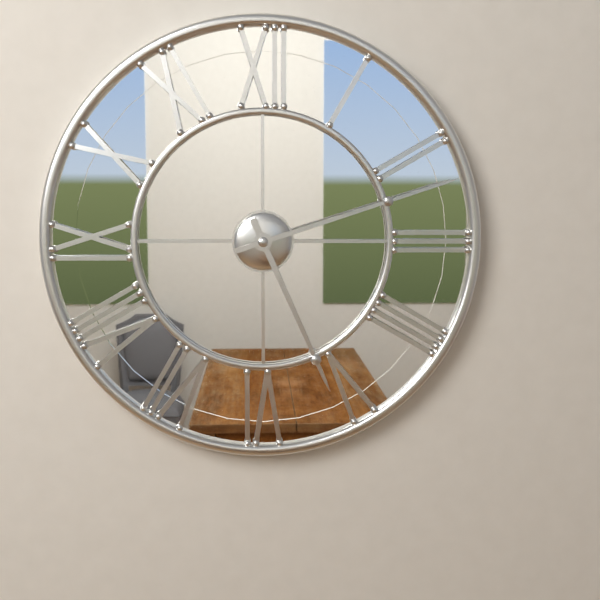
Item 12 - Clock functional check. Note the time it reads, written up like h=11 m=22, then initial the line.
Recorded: h=5 m=12
